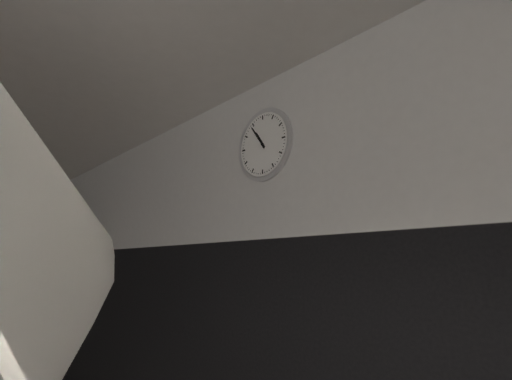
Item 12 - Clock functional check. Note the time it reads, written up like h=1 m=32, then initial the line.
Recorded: h=10 m=54
